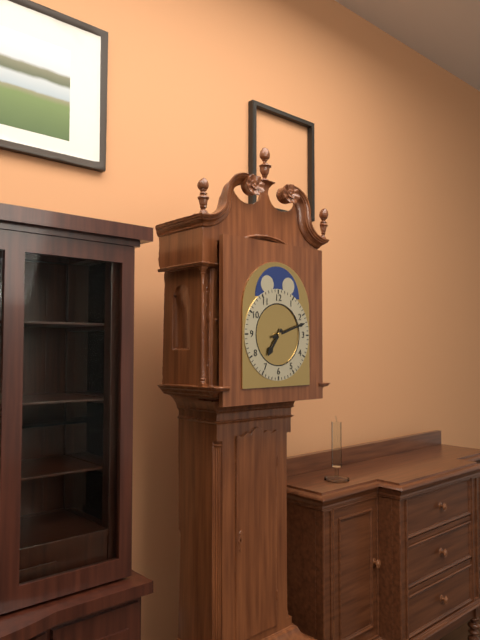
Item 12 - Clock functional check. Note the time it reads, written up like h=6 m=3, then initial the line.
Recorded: h=7 m=12
